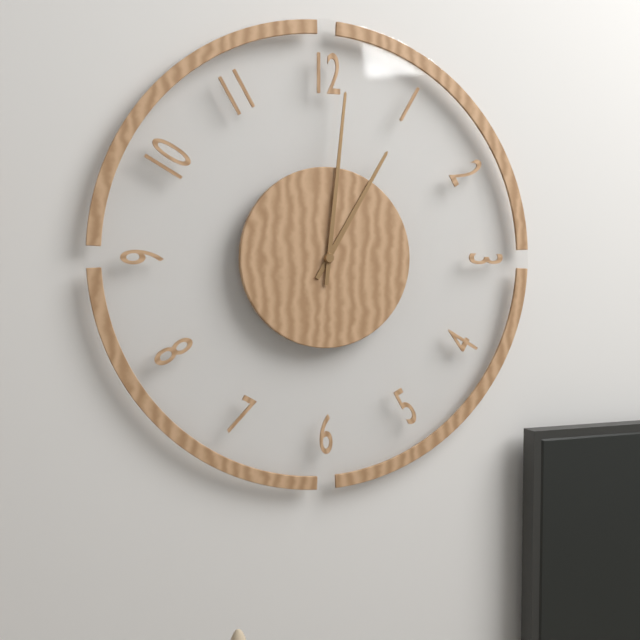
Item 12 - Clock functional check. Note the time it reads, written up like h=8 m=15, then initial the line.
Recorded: h=1 m=1
